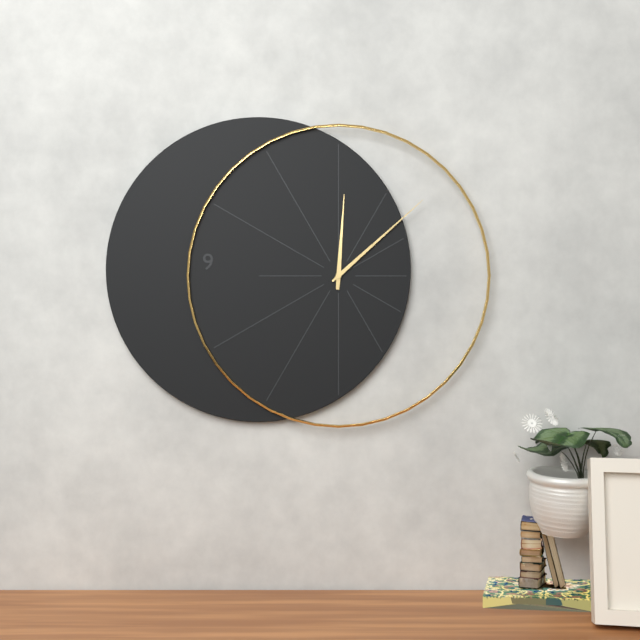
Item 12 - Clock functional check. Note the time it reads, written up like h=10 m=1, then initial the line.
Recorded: h=12 m=8
